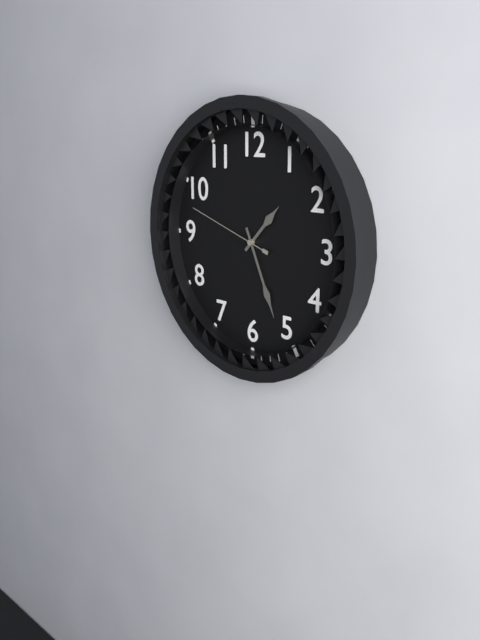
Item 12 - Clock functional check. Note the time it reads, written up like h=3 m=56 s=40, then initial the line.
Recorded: h=1 m=26 s=48
